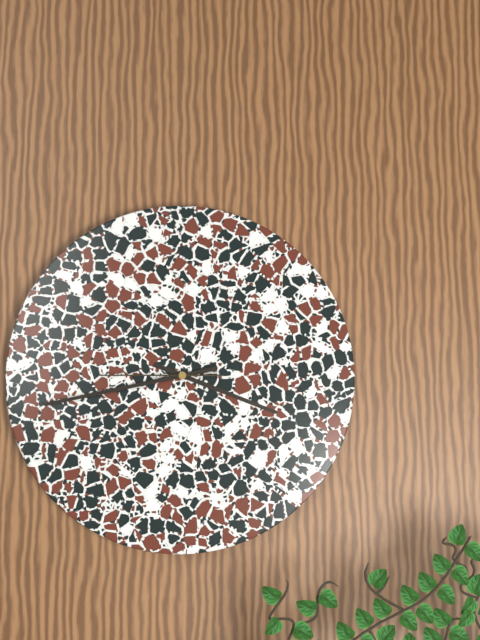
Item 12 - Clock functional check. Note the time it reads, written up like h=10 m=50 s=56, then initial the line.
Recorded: h=3 m=43 s=45
